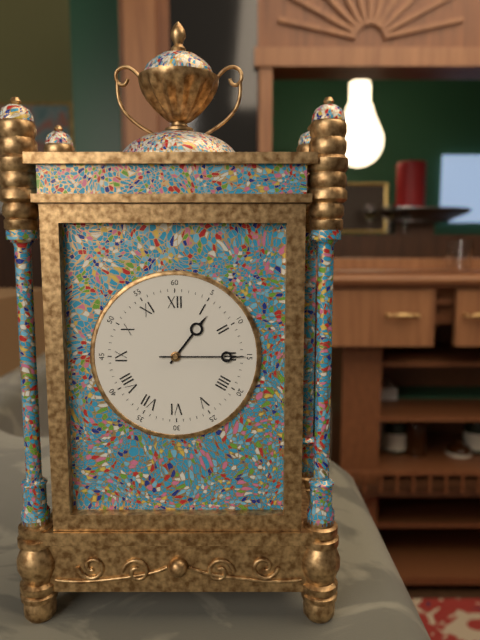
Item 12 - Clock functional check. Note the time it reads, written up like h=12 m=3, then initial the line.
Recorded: h=1 m=15
